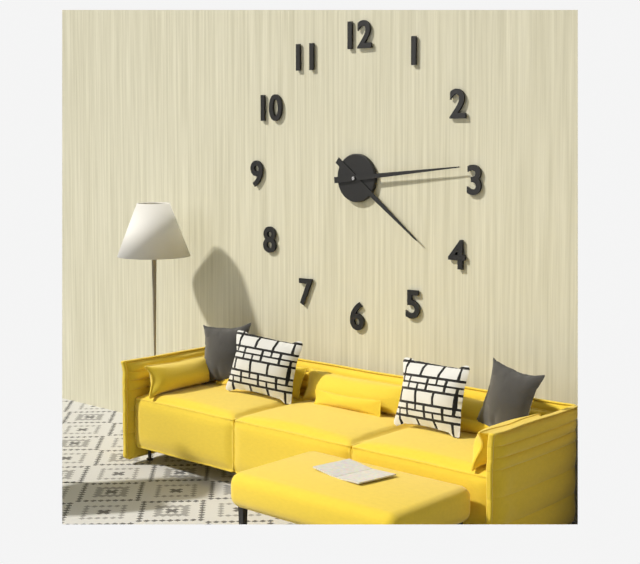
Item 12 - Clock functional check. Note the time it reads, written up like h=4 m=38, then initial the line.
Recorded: h=4 m=14
